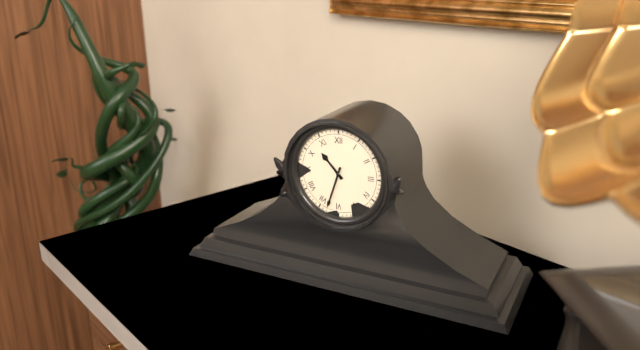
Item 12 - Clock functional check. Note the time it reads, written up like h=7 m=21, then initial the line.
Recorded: h=10 m=33
